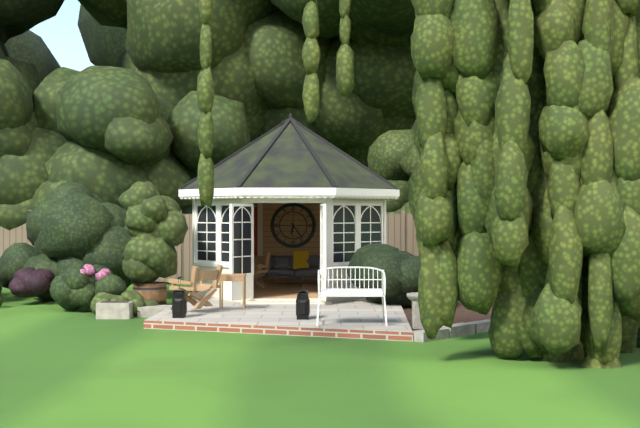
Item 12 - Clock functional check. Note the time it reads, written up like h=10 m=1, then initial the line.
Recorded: h=6 m=24
